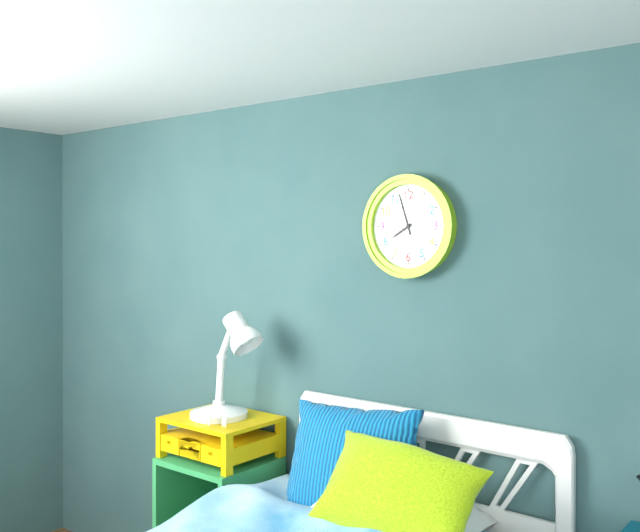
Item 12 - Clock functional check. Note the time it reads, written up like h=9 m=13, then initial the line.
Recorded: h=7 m=57
